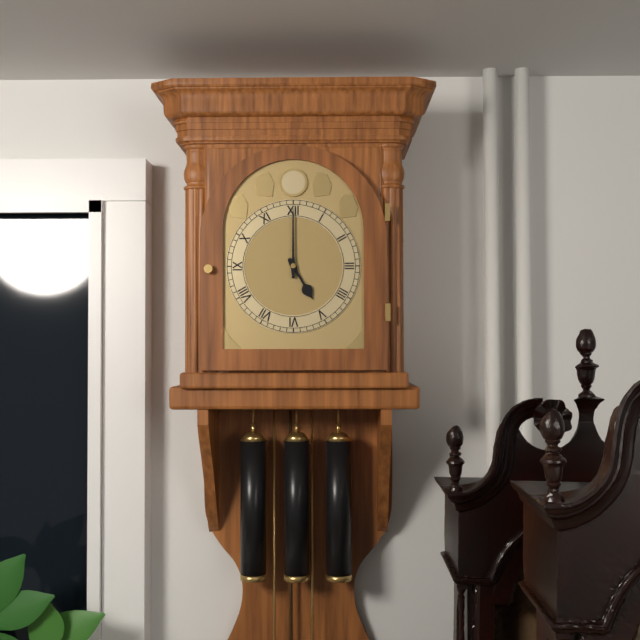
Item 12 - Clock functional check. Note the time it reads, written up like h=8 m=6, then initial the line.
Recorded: h=5 m=0
